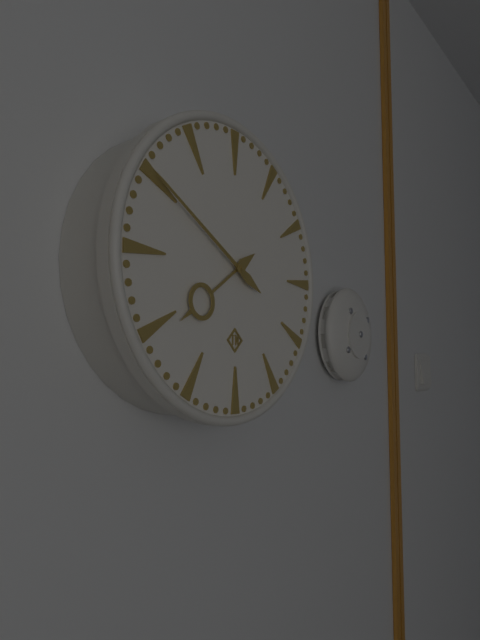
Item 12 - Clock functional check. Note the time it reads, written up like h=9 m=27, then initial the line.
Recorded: h=7 m=50
